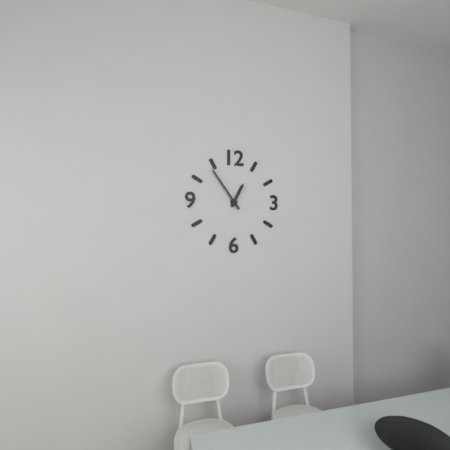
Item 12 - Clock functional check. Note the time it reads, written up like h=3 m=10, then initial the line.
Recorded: h=12 m=54
